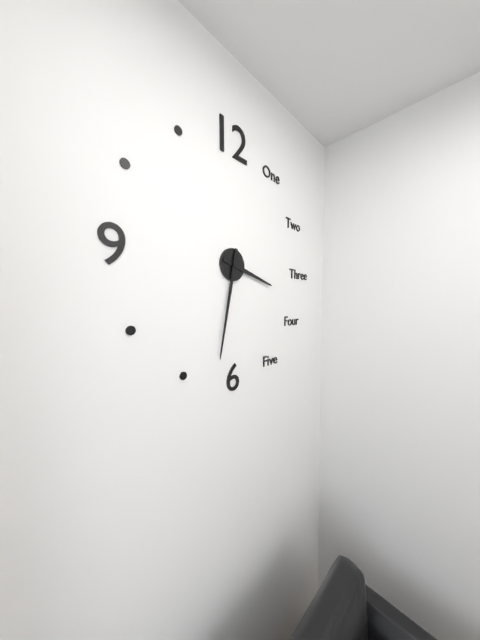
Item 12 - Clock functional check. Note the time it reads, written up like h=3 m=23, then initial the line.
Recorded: h=3 m=32
